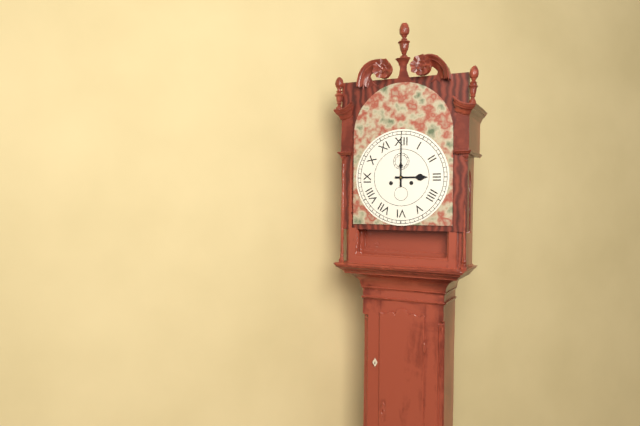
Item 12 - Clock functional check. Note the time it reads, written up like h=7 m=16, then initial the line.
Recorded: h=3 m=0
